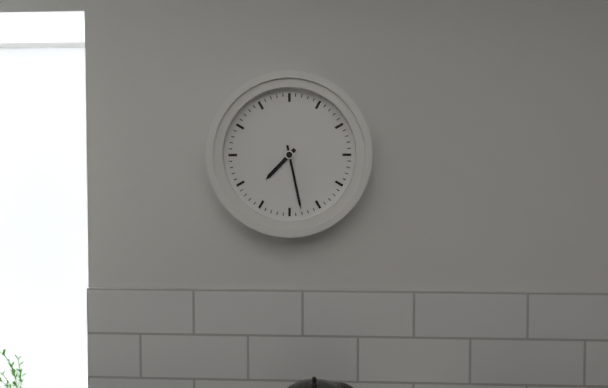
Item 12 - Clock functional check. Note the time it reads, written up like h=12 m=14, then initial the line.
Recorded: h=7 m=28
